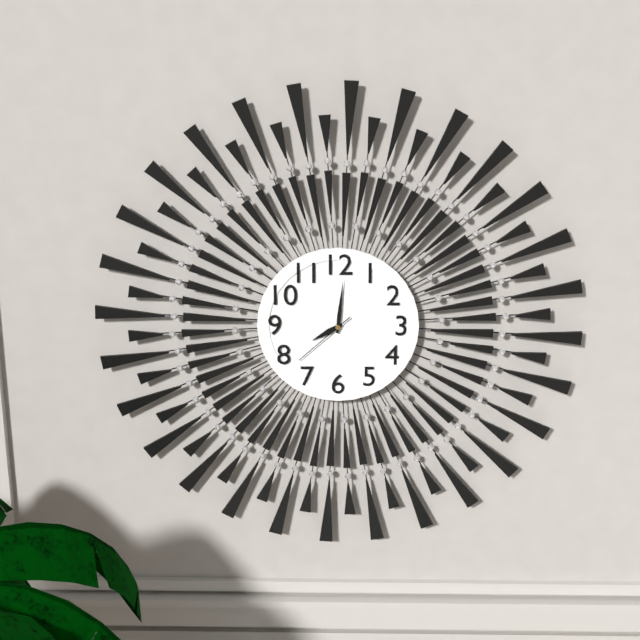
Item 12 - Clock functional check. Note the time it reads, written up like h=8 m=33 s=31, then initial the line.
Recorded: h=8 m=1 s=38
